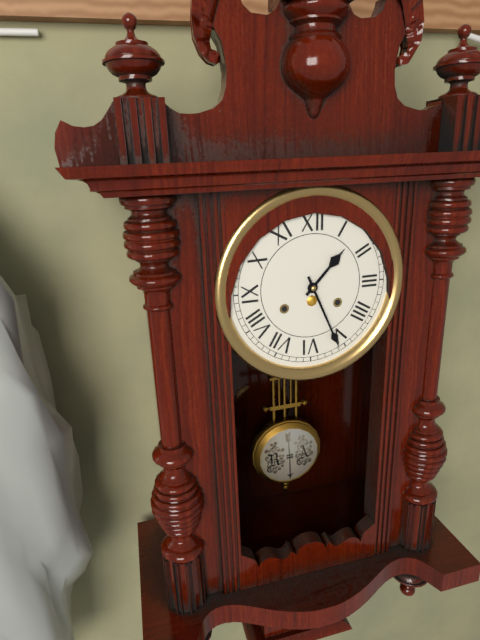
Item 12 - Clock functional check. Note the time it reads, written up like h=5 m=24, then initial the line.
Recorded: h=1 m=26
